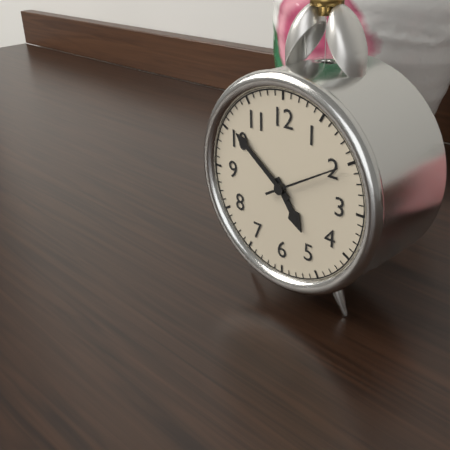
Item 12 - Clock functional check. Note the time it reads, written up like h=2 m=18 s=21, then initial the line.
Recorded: h=4 m=51 s=10
